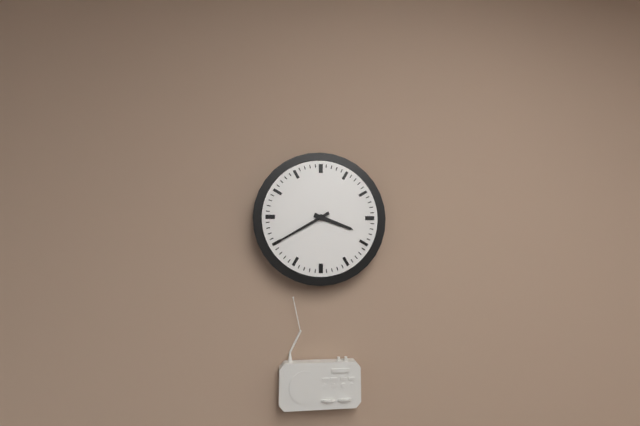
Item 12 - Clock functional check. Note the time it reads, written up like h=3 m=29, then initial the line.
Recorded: h=3 m=40
